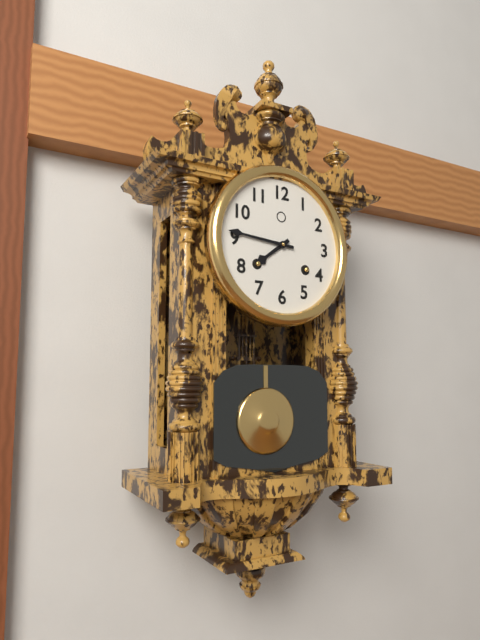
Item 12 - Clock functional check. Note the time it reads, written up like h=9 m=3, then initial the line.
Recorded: h=7 m=46
